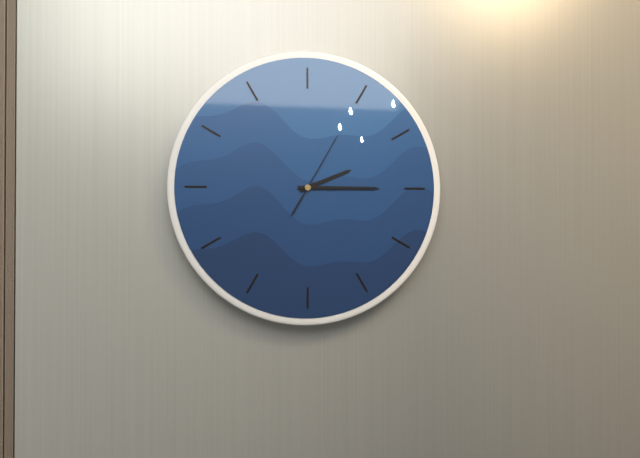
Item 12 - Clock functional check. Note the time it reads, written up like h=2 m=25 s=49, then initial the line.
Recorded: h=2 m=15 s=5
